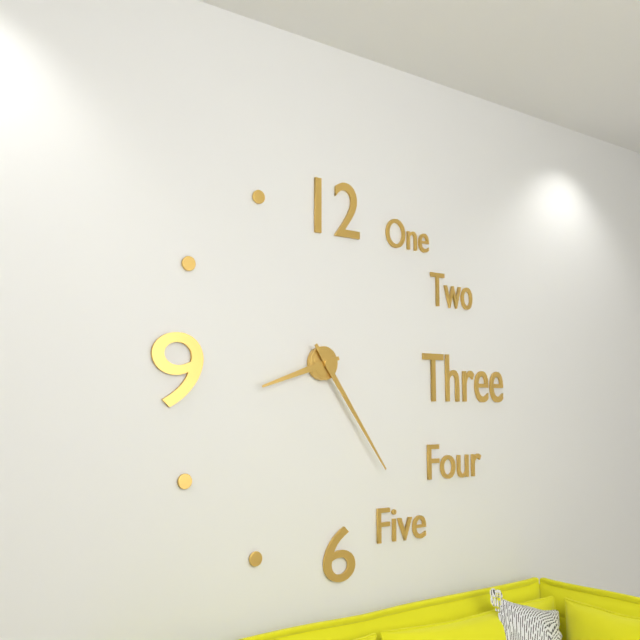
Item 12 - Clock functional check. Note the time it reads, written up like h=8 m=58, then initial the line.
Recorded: h=8 m=24
